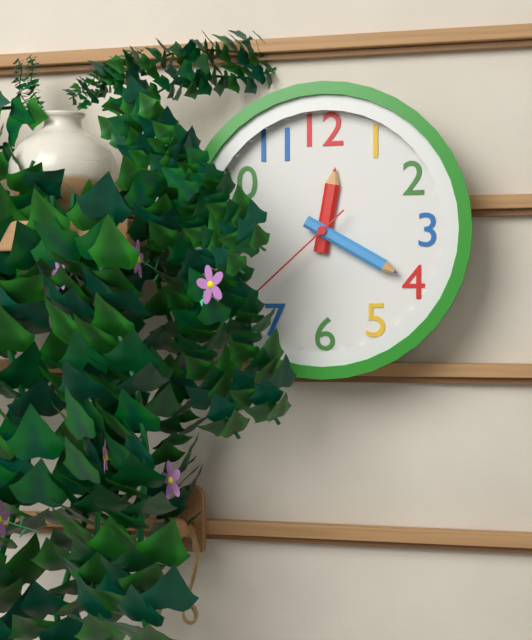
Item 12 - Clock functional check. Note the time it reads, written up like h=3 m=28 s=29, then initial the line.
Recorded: h=12 m=20 s=38
